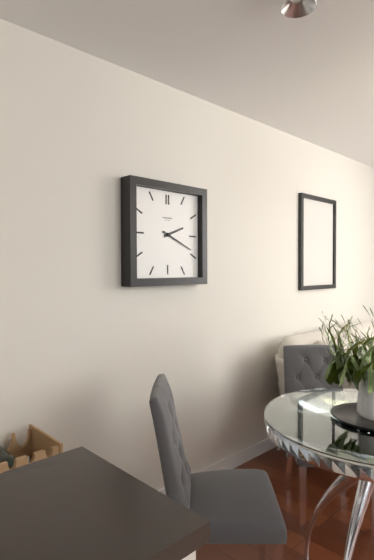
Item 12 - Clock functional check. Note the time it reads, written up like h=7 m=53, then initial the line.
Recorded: h=2 m=19
